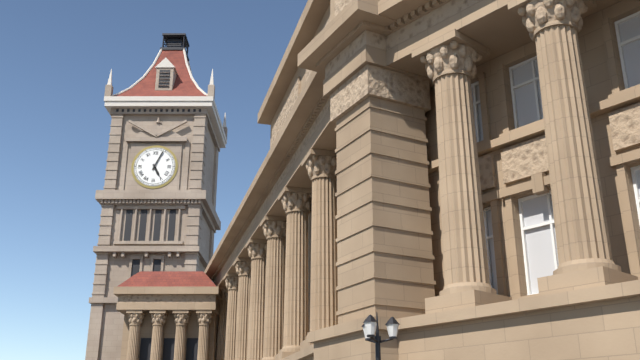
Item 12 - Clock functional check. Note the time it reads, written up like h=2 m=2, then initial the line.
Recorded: h=5 m=4
